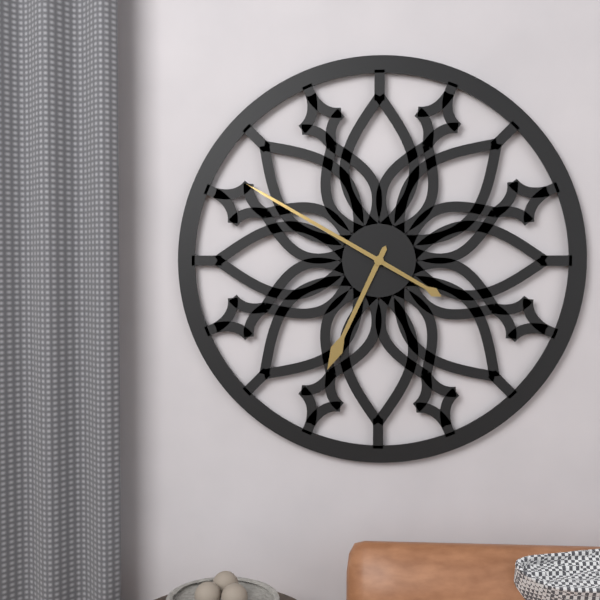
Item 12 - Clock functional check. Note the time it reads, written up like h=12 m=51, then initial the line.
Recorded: h=6 m=50
